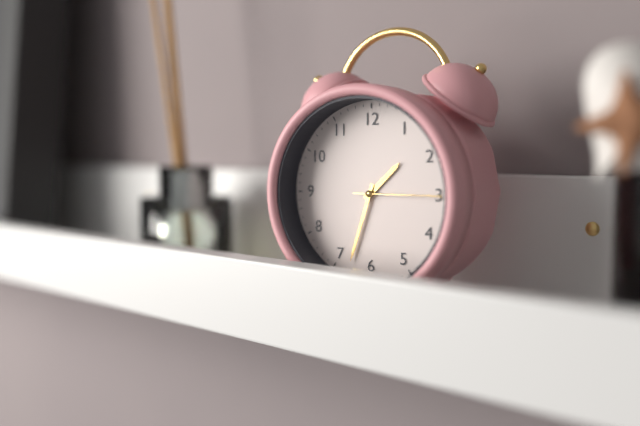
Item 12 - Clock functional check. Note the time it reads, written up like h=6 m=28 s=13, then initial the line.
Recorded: h=1 m=33 s=15
